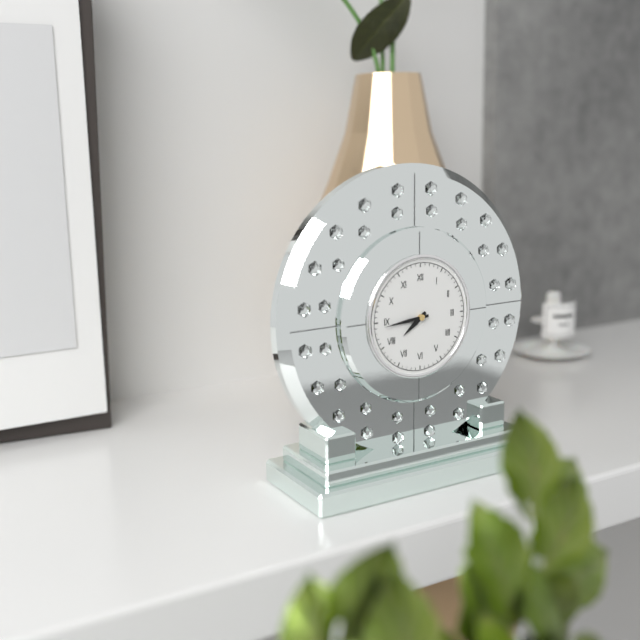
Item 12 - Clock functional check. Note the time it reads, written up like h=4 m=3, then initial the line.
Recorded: h=7 m=44
